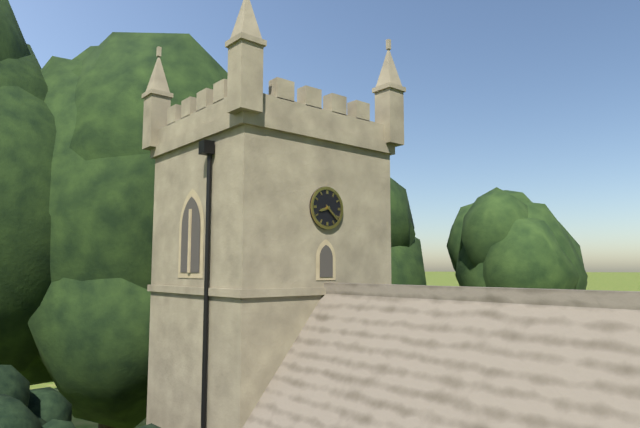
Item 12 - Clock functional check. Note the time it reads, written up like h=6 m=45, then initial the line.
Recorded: h=8 m=22
